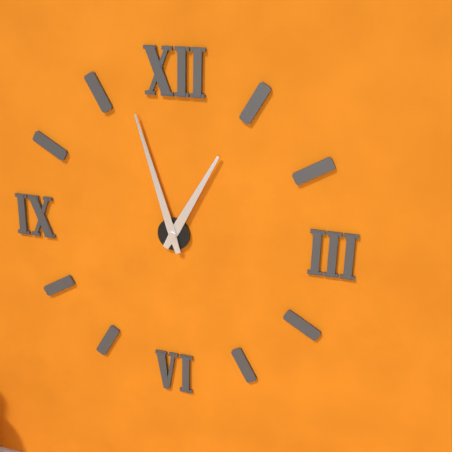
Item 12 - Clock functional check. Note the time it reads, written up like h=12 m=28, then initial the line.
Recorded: h=12 m=57
